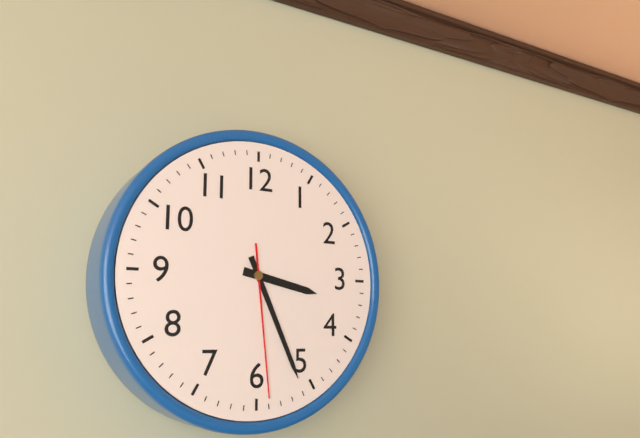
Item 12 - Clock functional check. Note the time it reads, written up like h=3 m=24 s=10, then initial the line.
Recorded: h=3 m=26 s=29
